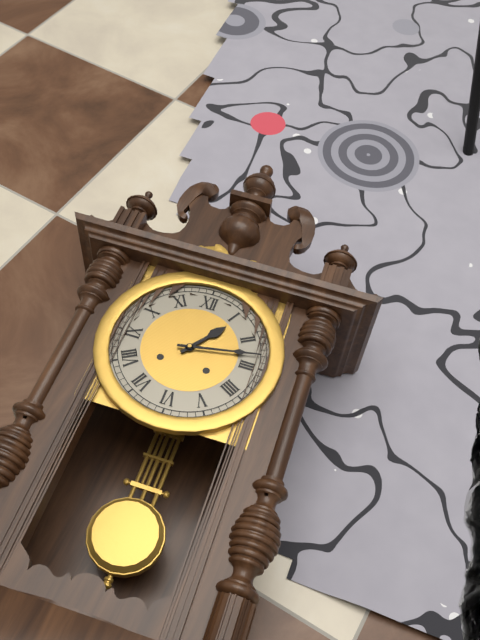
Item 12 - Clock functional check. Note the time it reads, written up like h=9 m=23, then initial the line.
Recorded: h=1 m=13
